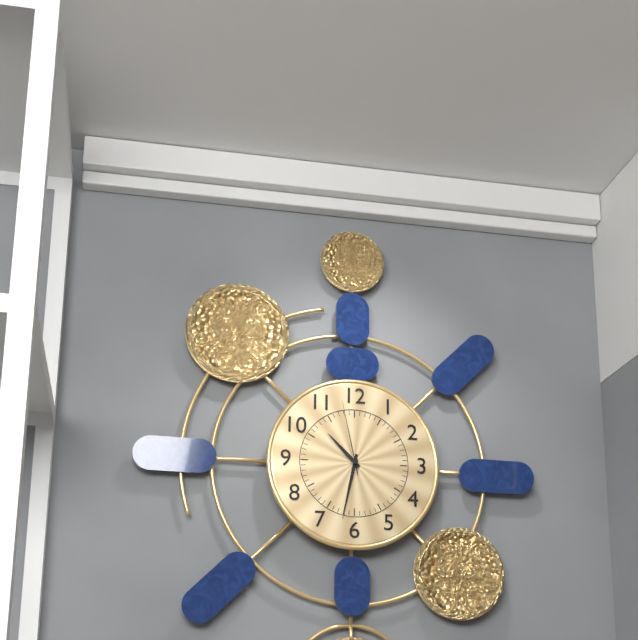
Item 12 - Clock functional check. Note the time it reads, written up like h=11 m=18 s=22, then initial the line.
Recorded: h=10 m=32 s=58
